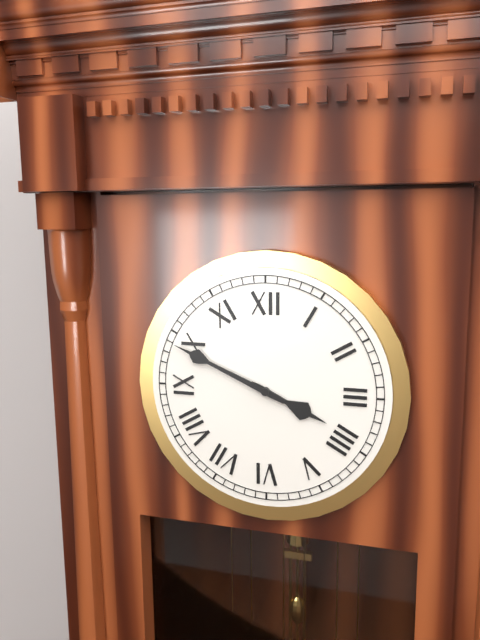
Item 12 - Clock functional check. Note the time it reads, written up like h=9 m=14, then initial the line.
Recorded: h=3 m=49
